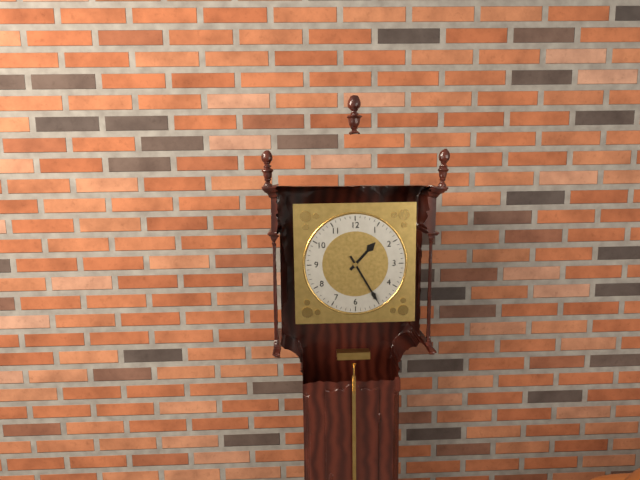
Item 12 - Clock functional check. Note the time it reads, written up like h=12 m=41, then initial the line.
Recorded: h=1 m=25
